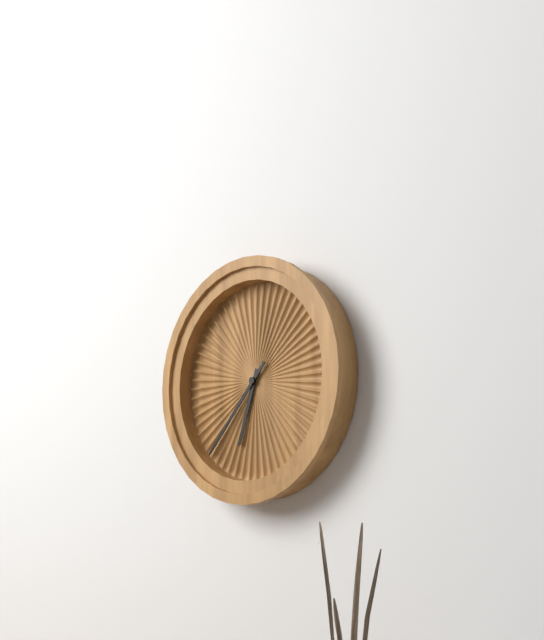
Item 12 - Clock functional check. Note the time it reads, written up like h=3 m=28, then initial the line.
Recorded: h=6 m=37
